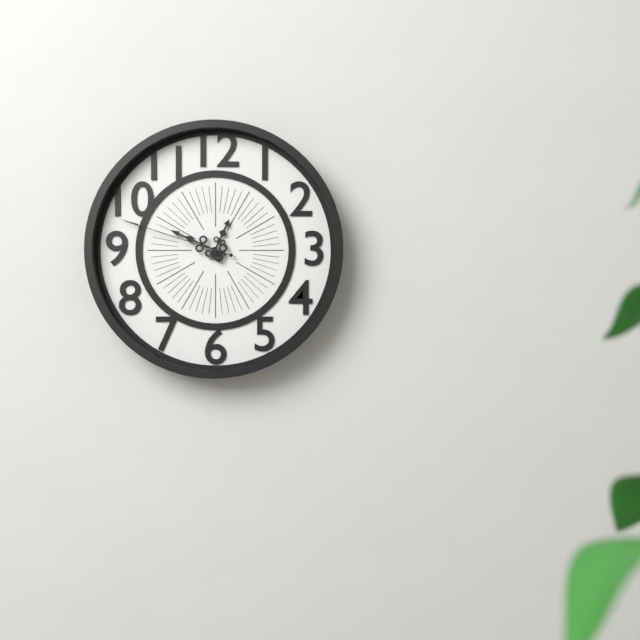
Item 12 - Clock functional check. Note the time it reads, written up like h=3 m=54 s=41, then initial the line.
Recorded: h=12 m=49 s=48
